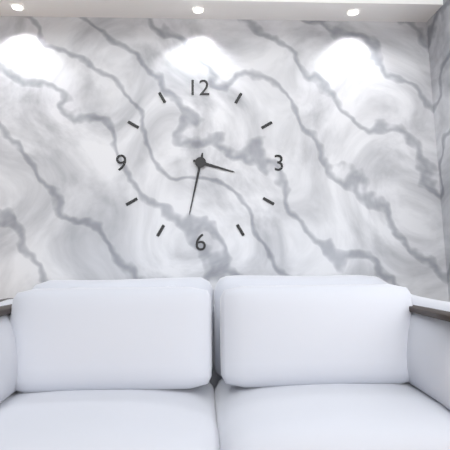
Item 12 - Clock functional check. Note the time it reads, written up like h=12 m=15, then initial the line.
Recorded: h=3 m=32
